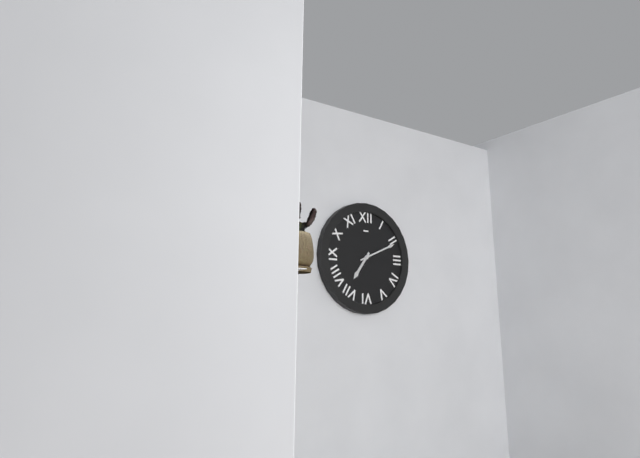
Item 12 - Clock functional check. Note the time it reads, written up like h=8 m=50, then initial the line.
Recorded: h=7 m=11
